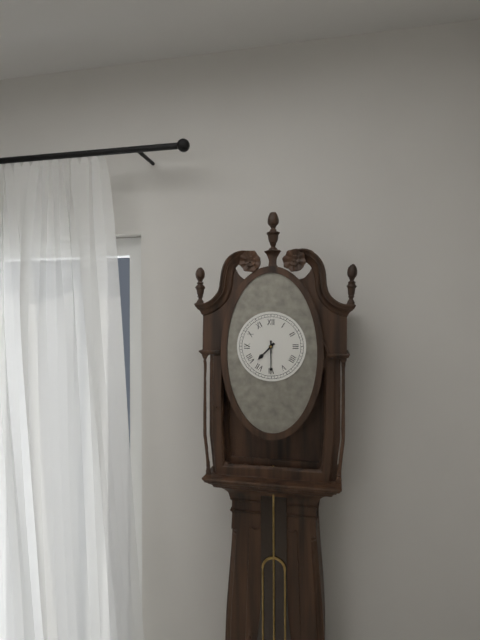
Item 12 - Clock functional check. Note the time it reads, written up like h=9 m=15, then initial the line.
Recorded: h=7 m=30
